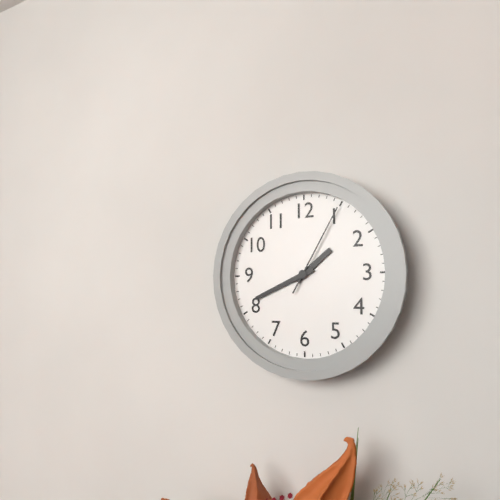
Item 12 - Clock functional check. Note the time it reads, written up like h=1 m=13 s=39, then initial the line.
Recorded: h=1 m=41 s=5
